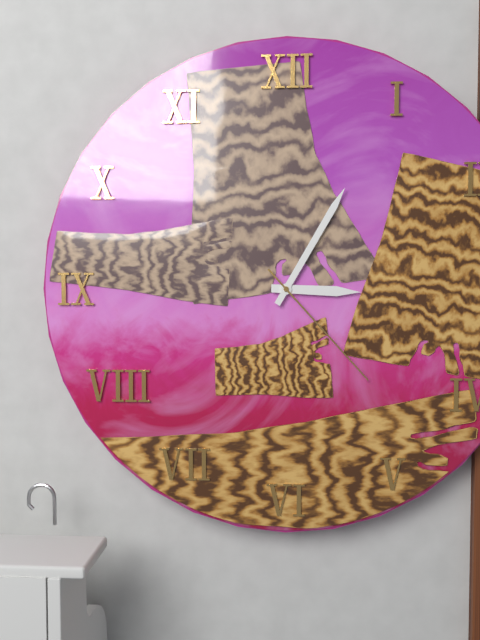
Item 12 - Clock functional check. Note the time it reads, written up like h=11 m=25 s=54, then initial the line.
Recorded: h=3 m=5 s=23
